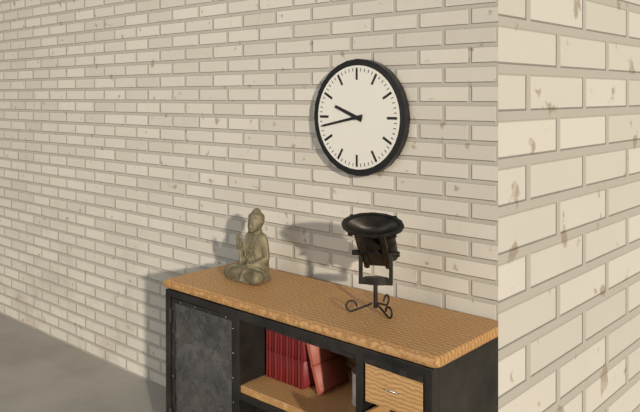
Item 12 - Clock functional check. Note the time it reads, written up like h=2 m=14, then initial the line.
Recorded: h=9 m=43
